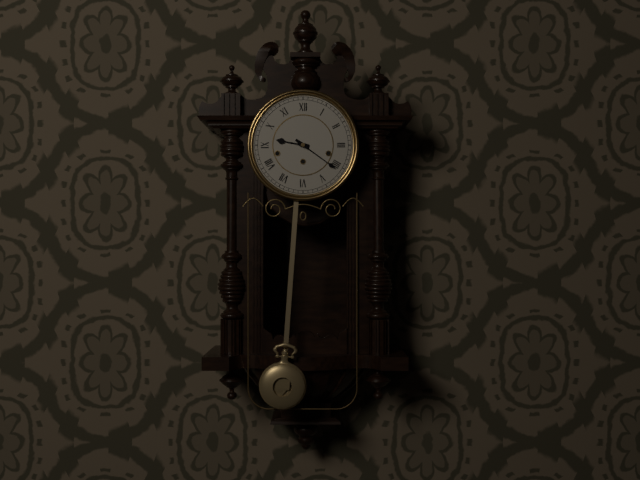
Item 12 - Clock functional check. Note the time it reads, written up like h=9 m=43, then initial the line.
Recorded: h=9 m=21
